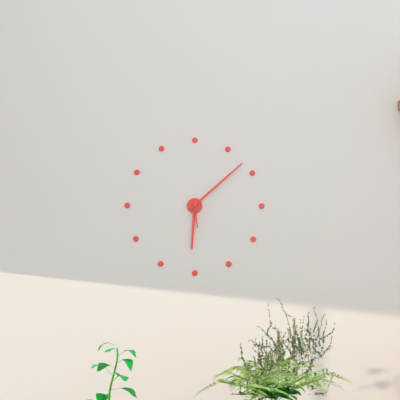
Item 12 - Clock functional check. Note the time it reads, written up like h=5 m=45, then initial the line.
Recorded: h=6 m=8
